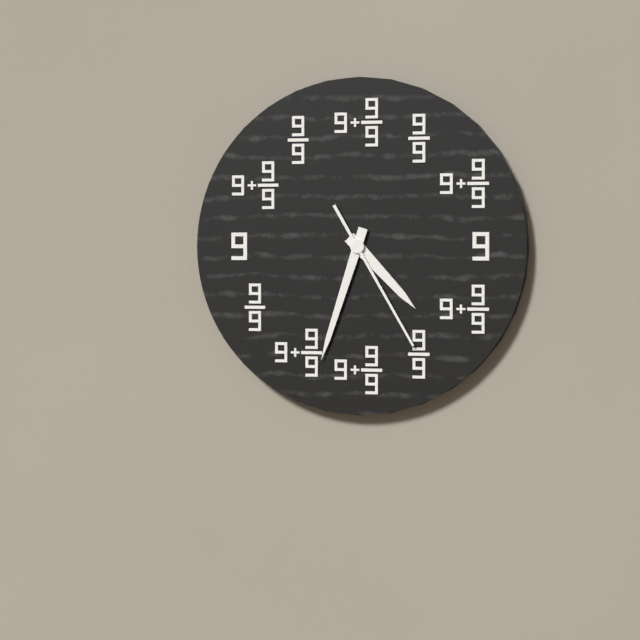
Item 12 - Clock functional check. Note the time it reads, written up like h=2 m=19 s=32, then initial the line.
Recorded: h=4 m=33 s=25
